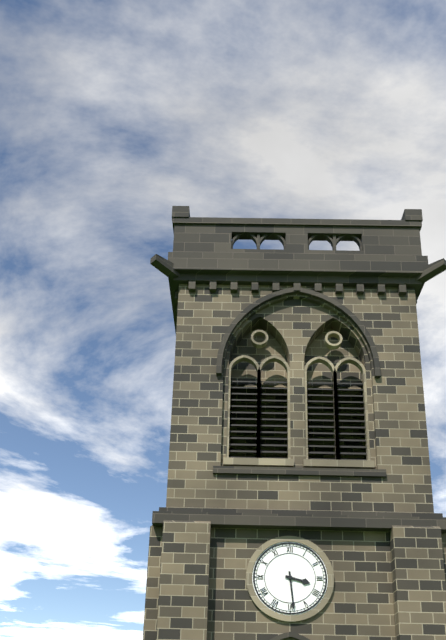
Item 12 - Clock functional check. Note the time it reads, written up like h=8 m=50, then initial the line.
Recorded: h=3 m=29
